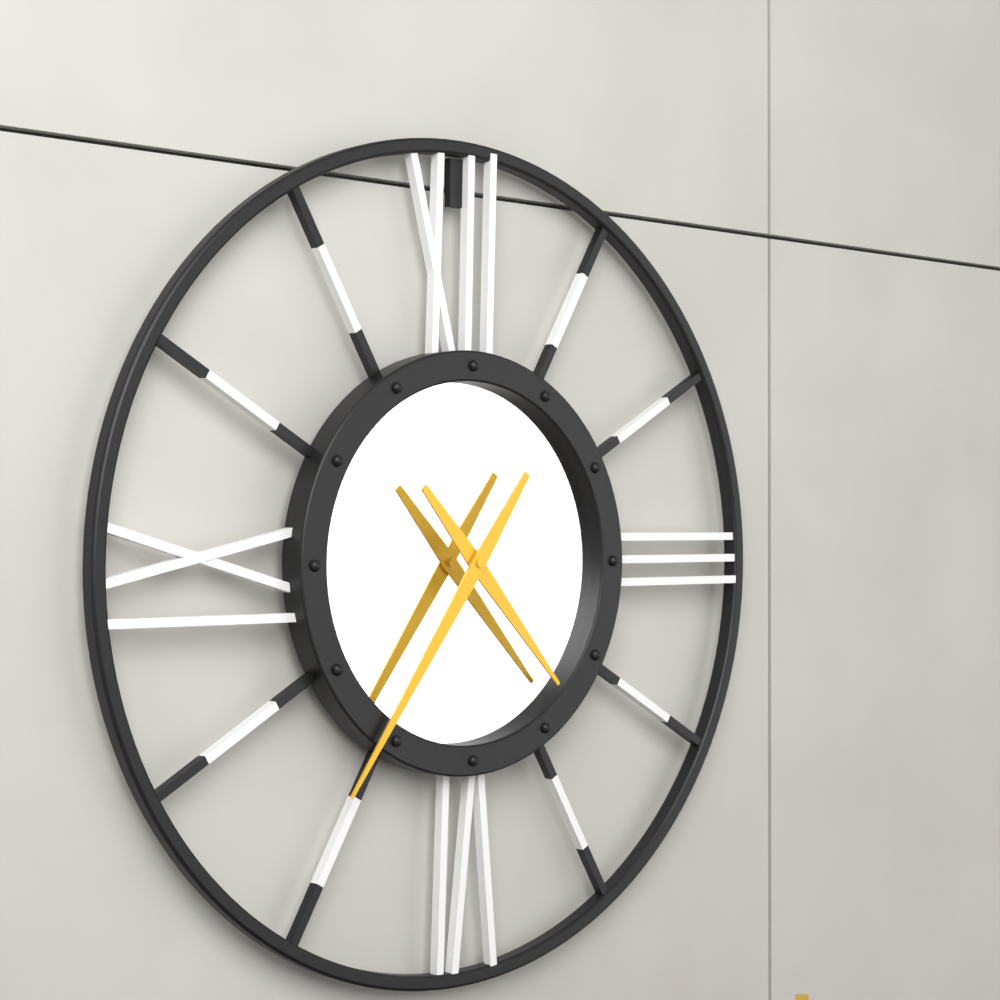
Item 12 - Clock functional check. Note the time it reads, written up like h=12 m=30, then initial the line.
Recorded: h=4 m=36
